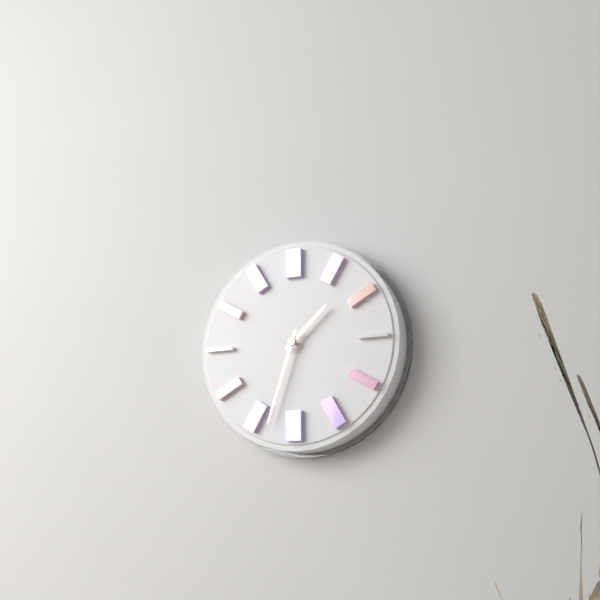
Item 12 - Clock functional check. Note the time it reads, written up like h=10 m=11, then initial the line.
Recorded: h=1 m=33
